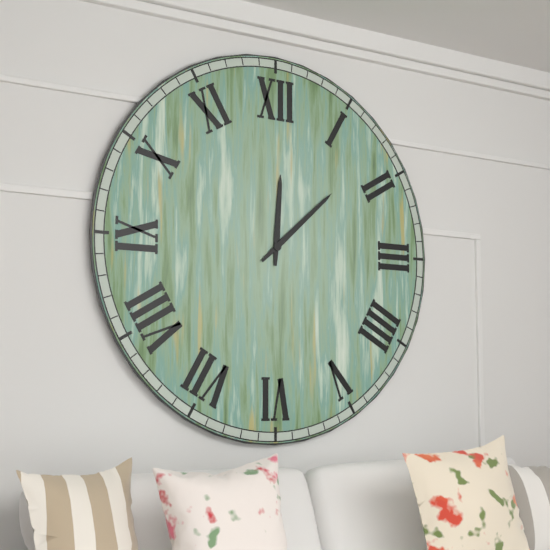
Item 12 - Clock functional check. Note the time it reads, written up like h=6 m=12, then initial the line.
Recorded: h=12 m=8
